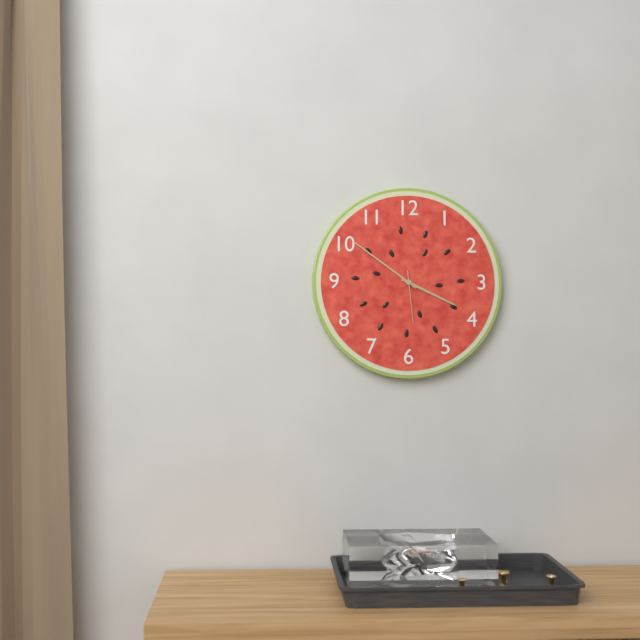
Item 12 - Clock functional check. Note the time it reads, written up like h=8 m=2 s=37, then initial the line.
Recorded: h=3 m=51 s=29
